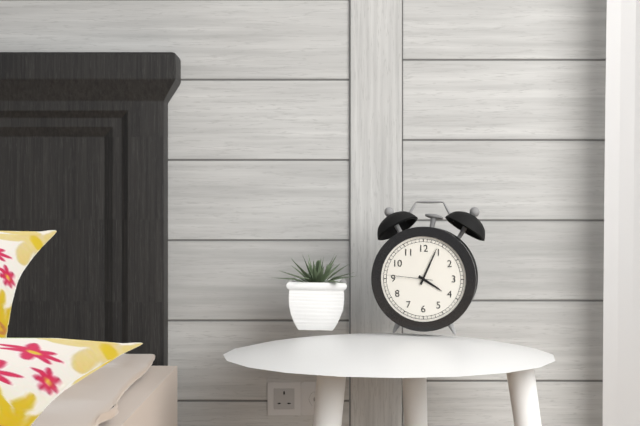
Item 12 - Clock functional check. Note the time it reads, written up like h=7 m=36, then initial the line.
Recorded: h=4 m=4
